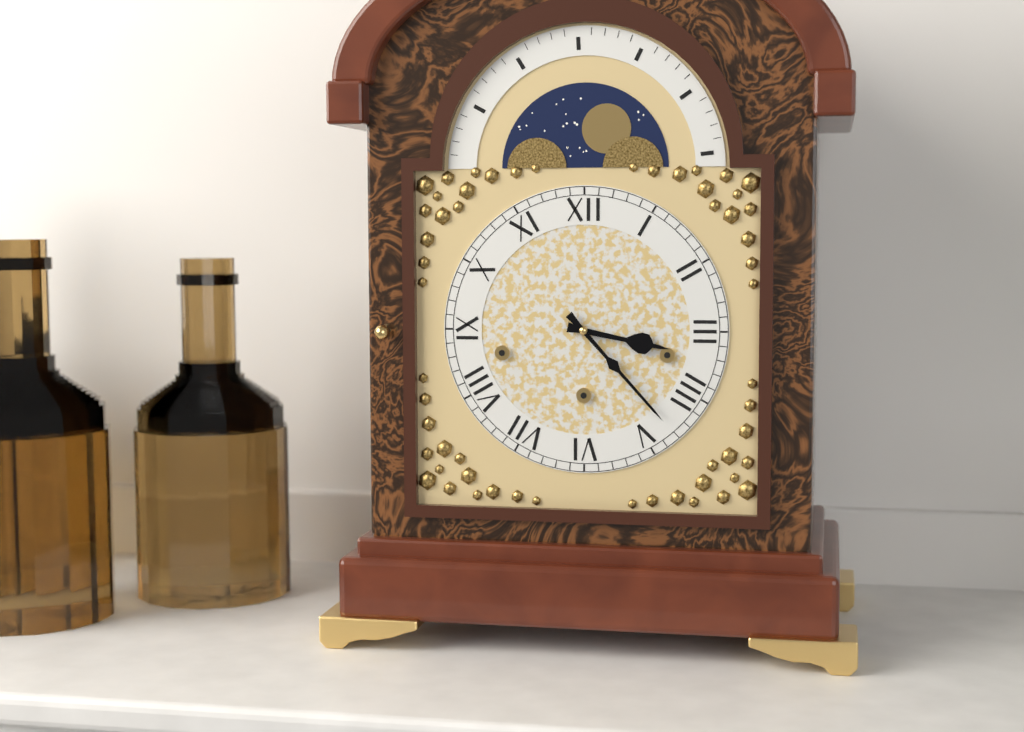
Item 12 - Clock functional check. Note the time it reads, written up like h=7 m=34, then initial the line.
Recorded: h=3 m=23
